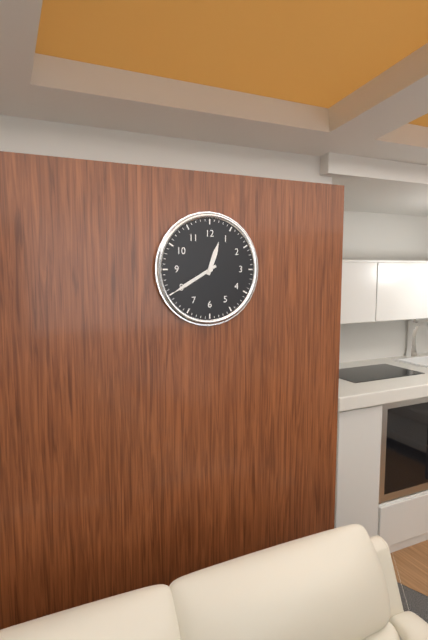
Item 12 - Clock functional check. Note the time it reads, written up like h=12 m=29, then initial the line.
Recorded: h=12 m=40
